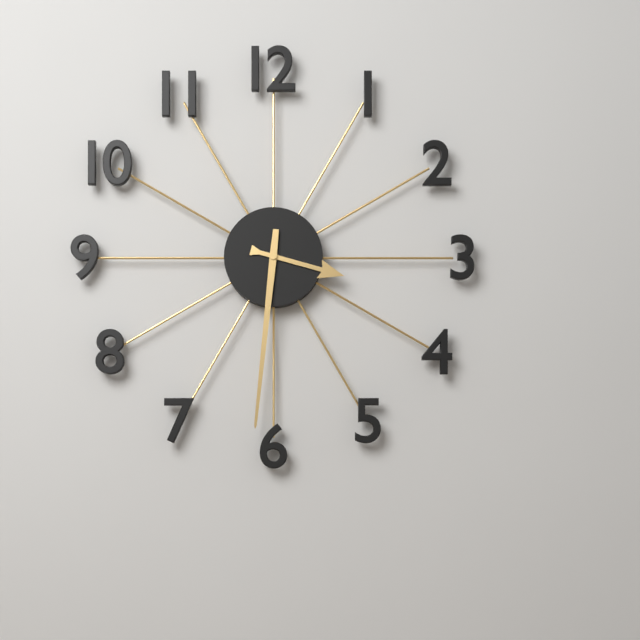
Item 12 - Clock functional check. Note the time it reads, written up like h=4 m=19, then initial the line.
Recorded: h=3 m=31
